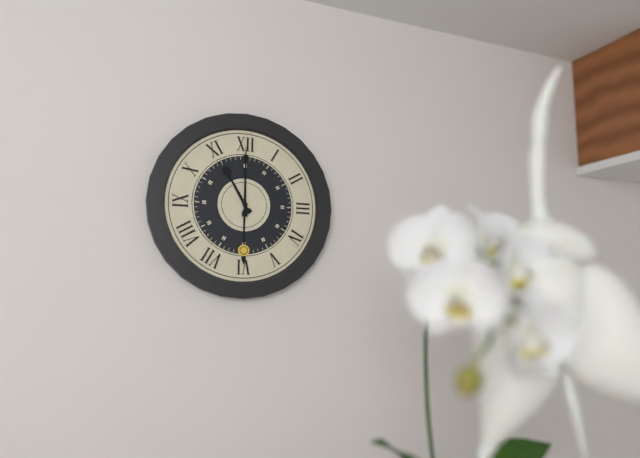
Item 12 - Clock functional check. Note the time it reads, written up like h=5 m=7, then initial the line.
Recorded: h=11 m=0
